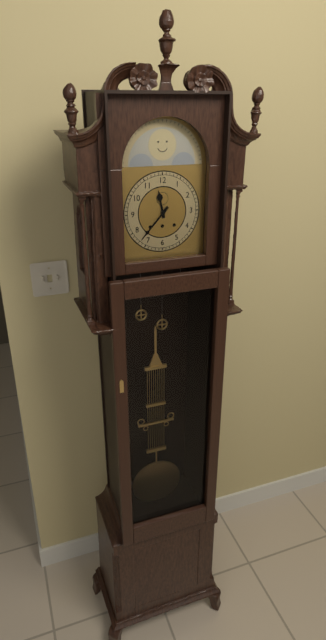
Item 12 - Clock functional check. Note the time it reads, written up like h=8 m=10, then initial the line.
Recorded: h=11 m=37
